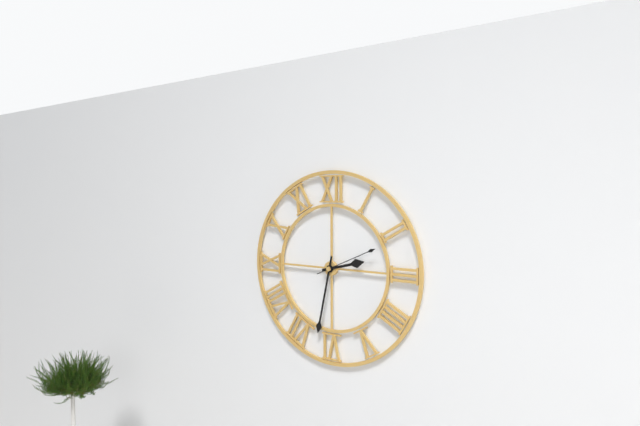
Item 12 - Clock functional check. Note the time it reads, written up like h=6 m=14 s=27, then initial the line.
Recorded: h=2 m=32 s=11
